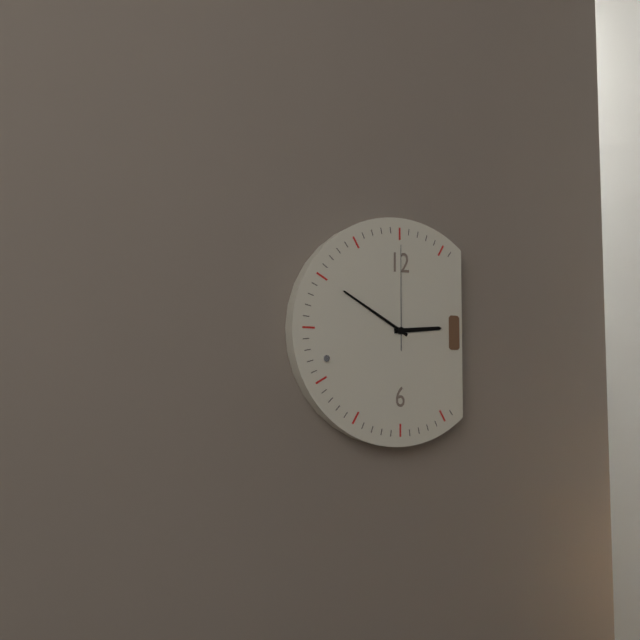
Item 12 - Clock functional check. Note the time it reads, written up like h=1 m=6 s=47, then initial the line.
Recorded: h=2 m=50 s=0
